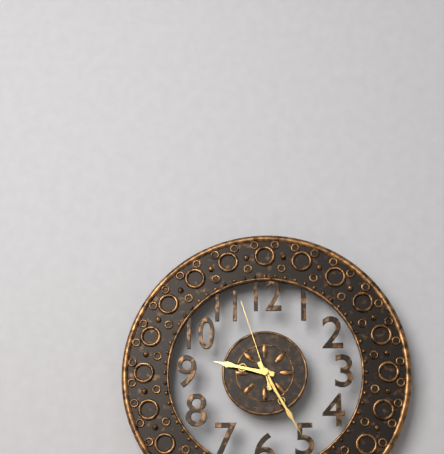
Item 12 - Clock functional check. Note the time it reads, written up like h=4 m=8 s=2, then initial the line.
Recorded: h=9 m=25 s=57
